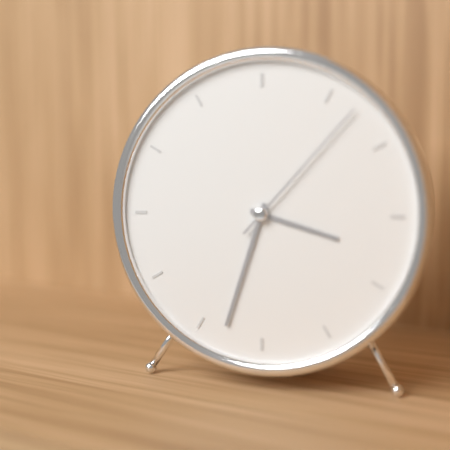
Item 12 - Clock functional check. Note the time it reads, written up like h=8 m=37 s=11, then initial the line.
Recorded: h=3 m=33 s=7
